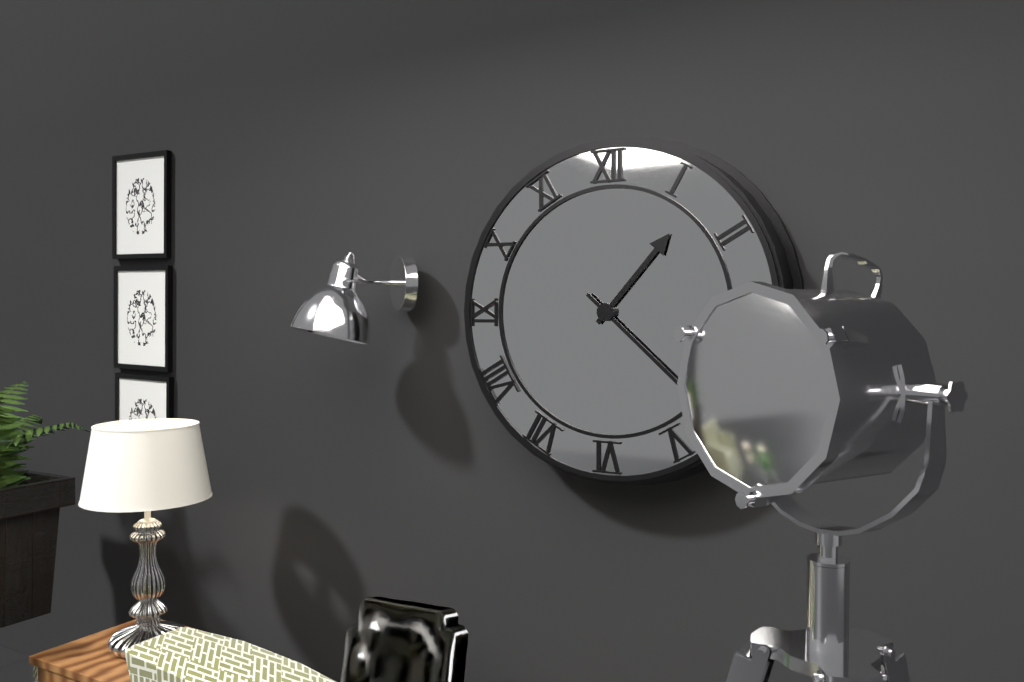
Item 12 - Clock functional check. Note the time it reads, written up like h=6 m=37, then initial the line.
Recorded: h=1 m=22
